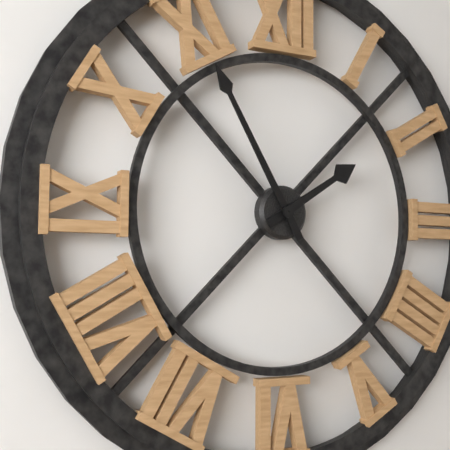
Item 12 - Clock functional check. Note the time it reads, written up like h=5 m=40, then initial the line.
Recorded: h=1 m=55
